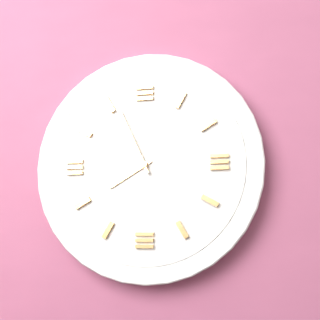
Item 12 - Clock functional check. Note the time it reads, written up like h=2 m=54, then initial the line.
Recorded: h=7 m=56
